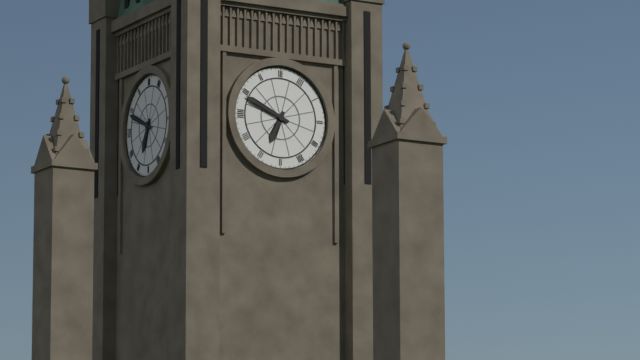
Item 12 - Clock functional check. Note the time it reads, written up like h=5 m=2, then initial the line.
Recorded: h=6 m=49
